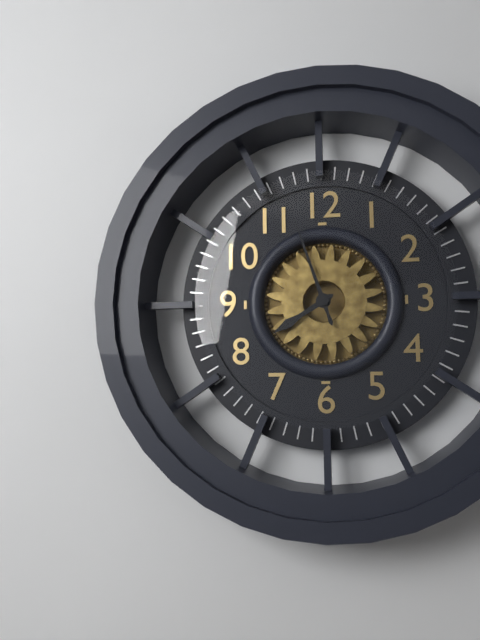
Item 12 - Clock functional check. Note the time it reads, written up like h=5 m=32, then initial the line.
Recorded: h=7 m=57
